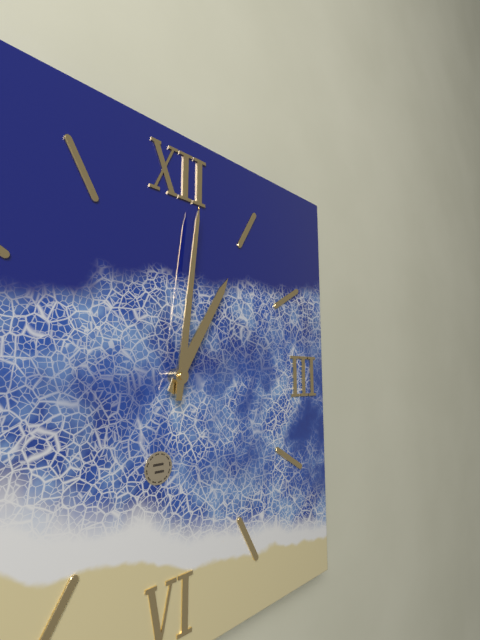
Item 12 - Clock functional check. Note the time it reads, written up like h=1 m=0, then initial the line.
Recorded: h=1 m=1
